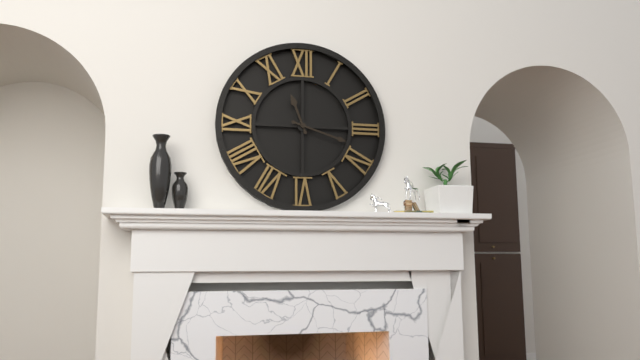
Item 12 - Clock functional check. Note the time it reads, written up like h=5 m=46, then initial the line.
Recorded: h=11 m=18
